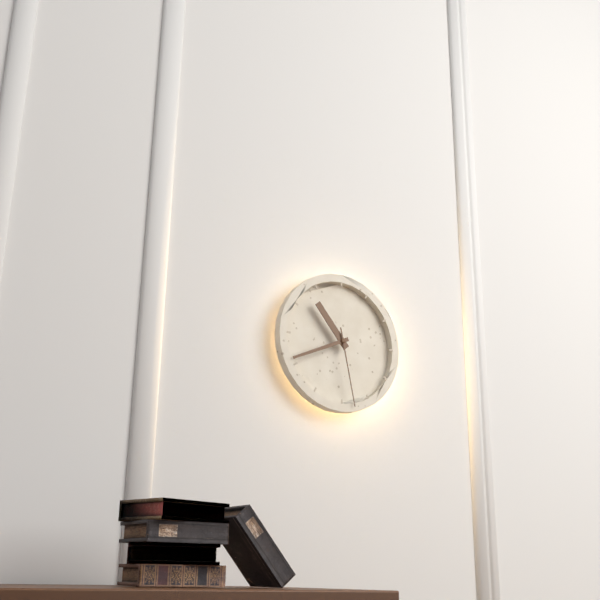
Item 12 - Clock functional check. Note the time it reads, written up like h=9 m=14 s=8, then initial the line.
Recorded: h=10 m=41 s=28
